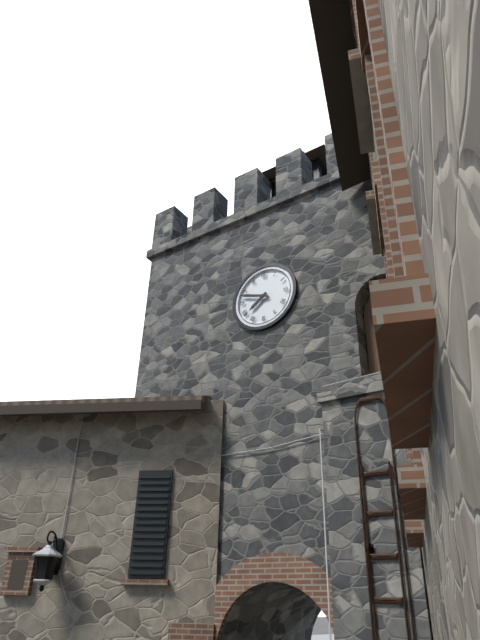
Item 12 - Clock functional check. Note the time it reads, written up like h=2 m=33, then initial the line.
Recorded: h=7 m=48
